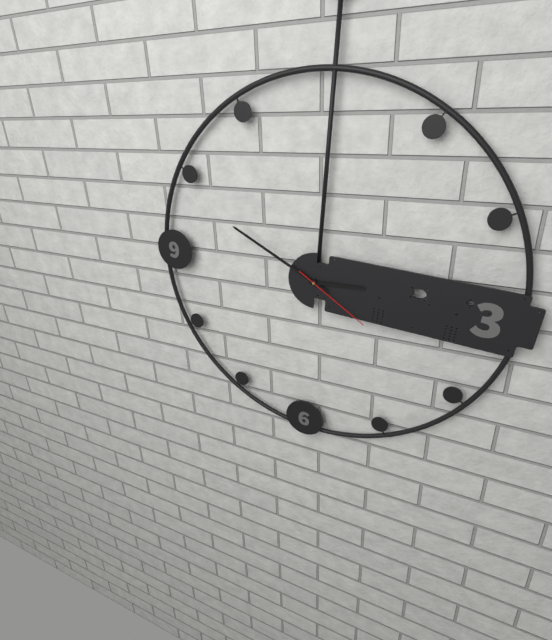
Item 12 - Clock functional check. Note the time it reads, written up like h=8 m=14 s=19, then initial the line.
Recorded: h=2 m=49 s=20
